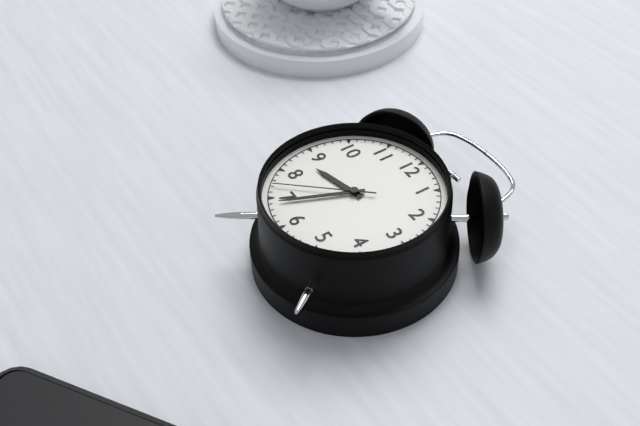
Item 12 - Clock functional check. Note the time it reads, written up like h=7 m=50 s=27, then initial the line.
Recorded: h=8 m=34 s=37
